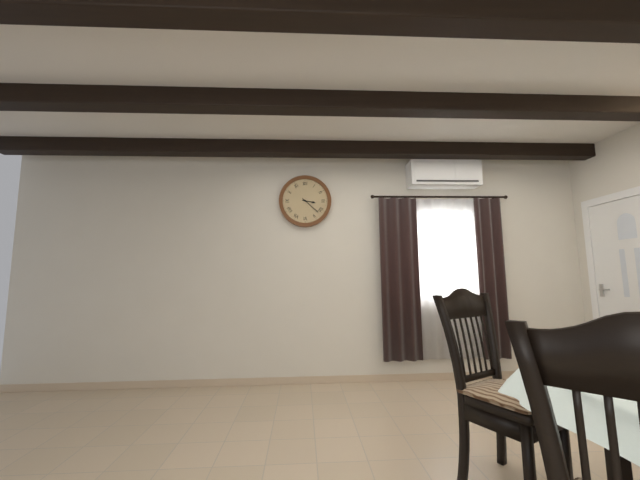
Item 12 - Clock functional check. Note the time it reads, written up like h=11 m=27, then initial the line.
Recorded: h=3 m=22
